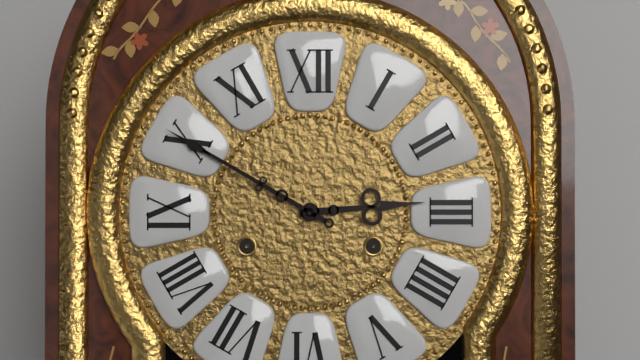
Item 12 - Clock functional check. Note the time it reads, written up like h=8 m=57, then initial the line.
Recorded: h=2 m=50
